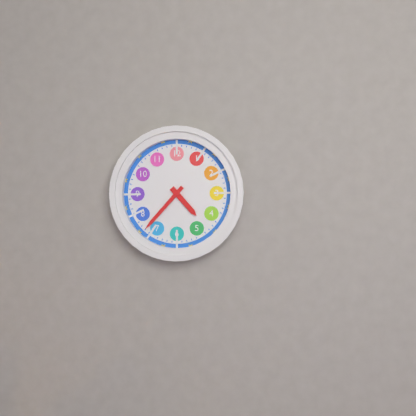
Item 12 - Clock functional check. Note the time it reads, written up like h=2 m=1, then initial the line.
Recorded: h=4 m=37
